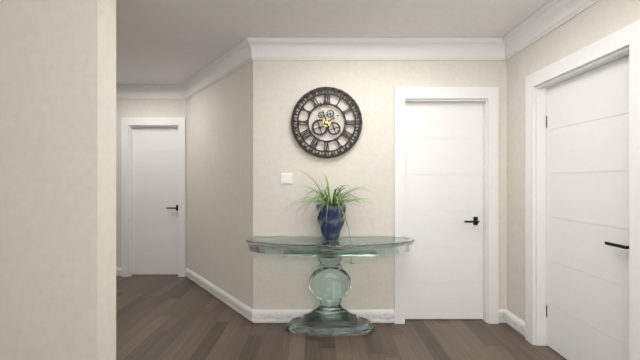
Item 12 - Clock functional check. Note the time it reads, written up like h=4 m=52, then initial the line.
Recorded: h=1 m=57
